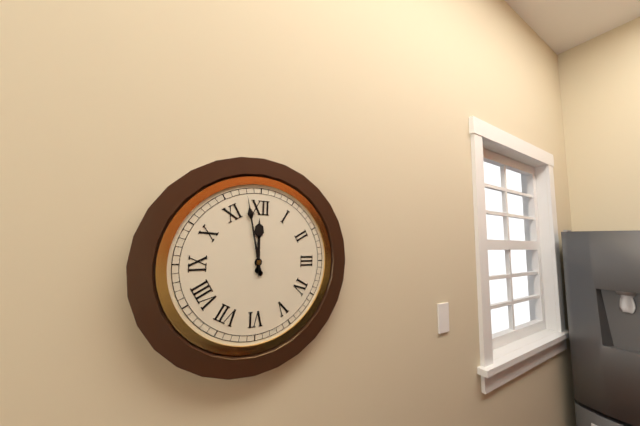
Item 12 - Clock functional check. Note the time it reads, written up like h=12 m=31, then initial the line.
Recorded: h=11 m=58
